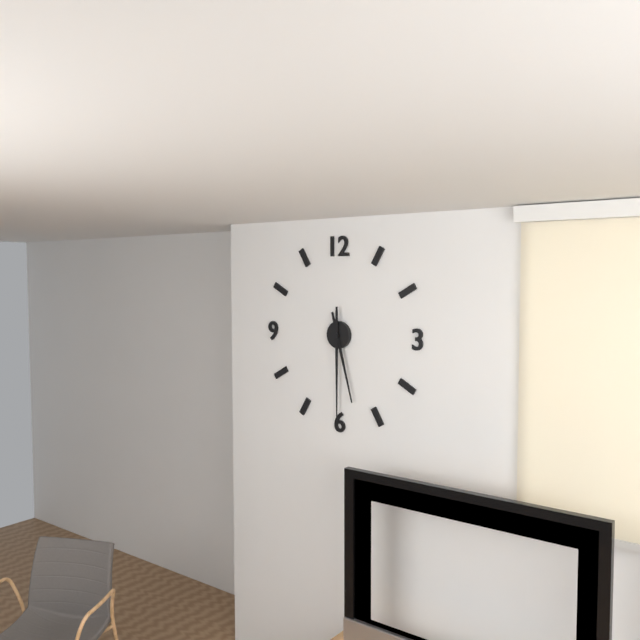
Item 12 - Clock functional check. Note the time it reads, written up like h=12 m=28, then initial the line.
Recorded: h=5 m=30
